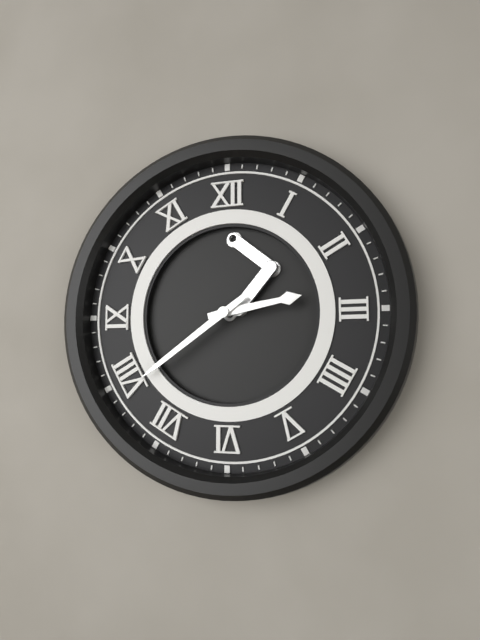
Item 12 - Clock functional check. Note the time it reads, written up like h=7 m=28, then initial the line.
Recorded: h=2 m=39
